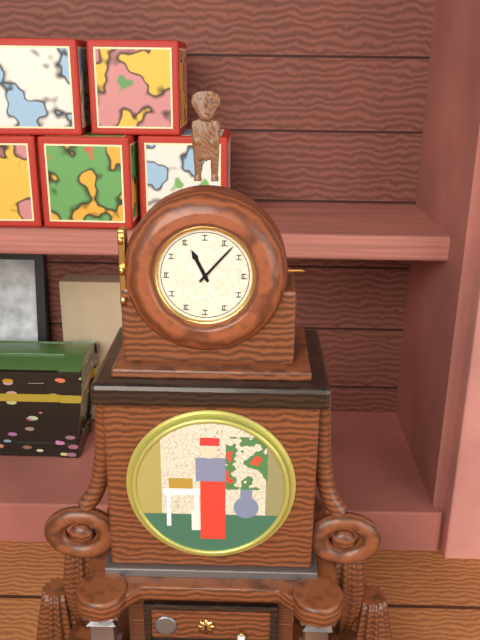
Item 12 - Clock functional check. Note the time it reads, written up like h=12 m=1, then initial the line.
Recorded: h=11 m=7
